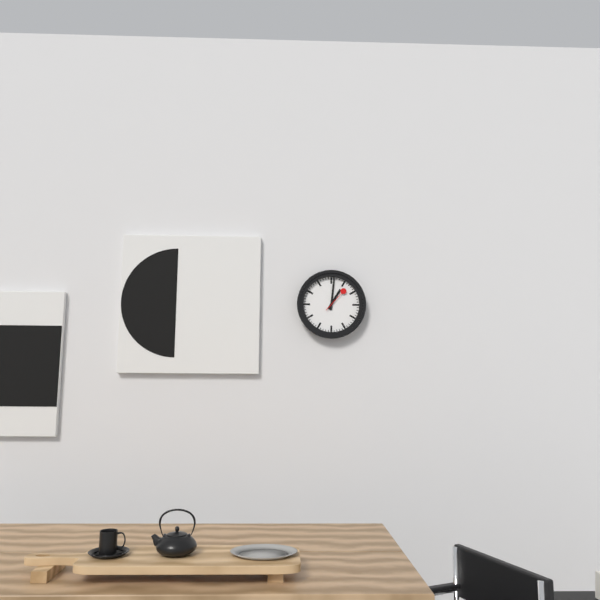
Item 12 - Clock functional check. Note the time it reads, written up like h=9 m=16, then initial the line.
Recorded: h=1 m=1
